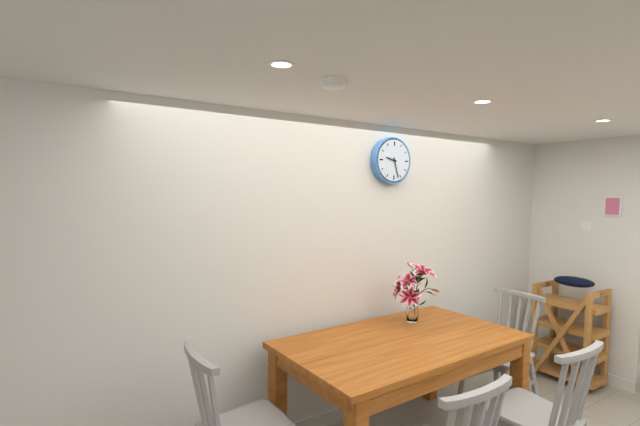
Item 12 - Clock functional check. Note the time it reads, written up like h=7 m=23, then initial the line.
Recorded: h=9 m=27
